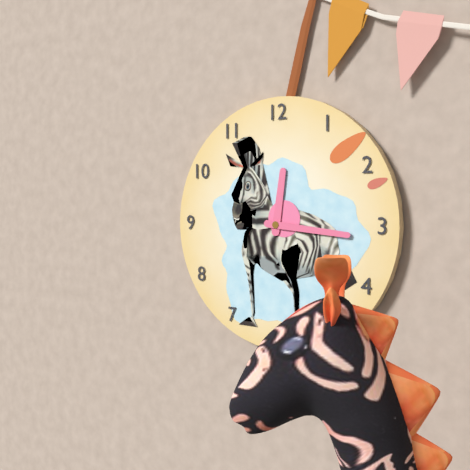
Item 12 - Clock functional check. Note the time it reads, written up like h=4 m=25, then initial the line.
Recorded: h=12 m=16
